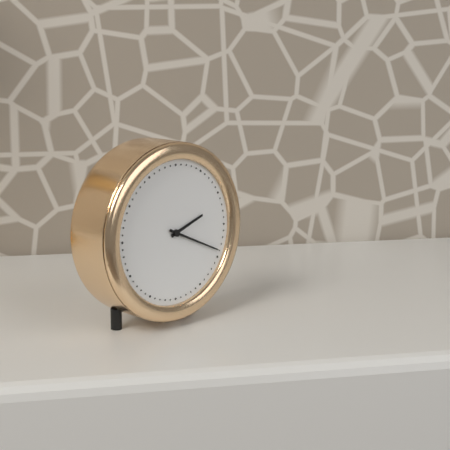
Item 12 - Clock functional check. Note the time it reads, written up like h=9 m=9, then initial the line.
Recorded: h=2 m=19
